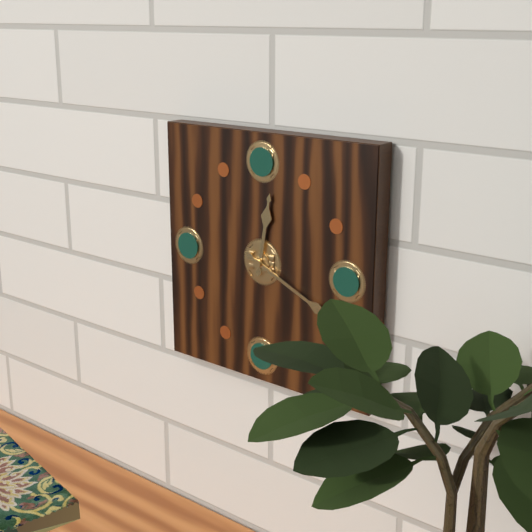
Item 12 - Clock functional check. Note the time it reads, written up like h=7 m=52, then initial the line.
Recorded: h=12 m=19
